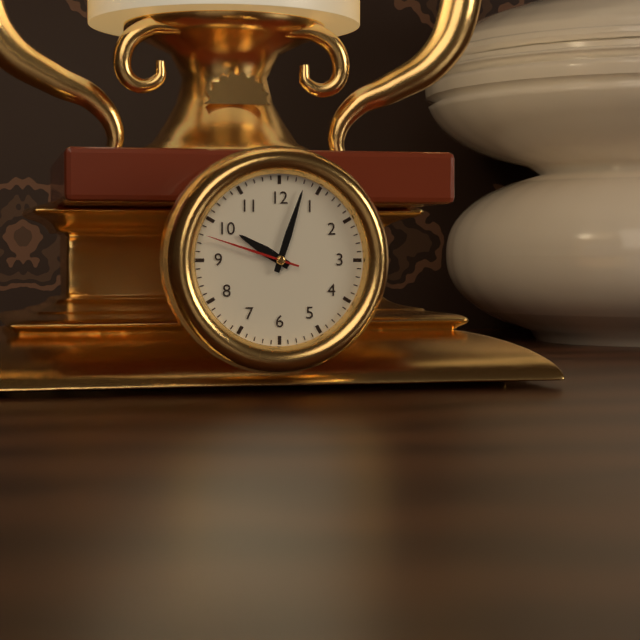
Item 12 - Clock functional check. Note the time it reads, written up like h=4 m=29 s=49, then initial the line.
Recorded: h=10 m=3 s=48
